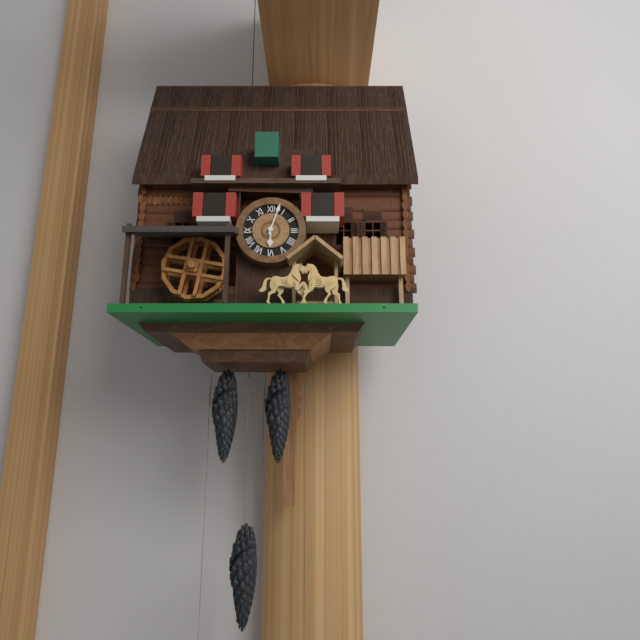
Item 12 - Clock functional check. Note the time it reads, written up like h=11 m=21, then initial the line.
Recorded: h=6 m=3
